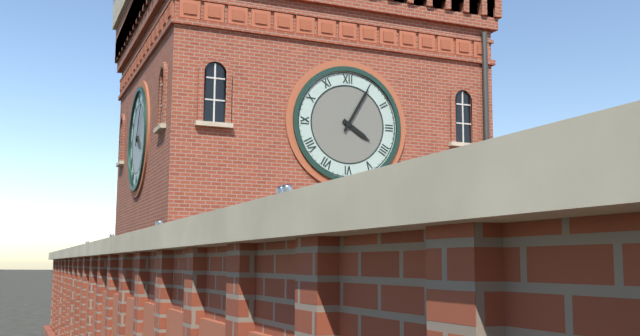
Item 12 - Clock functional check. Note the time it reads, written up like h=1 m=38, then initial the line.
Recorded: h=4 m=5
